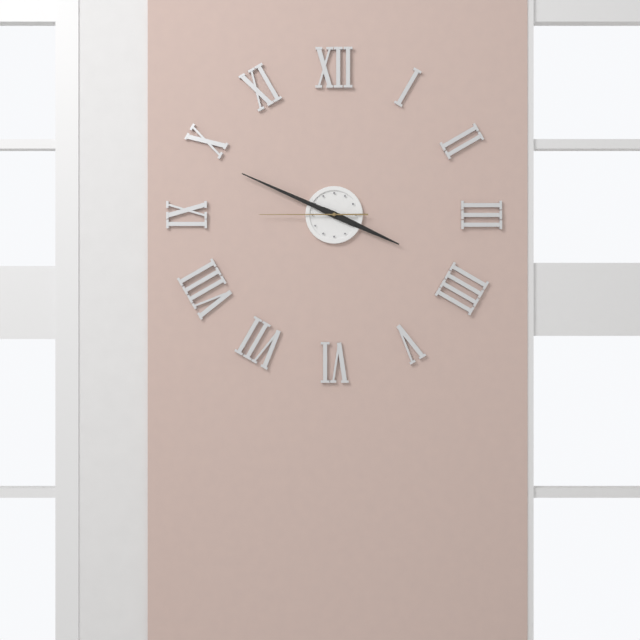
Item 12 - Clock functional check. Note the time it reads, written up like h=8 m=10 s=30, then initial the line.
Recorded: h=3 m=49 s=45
